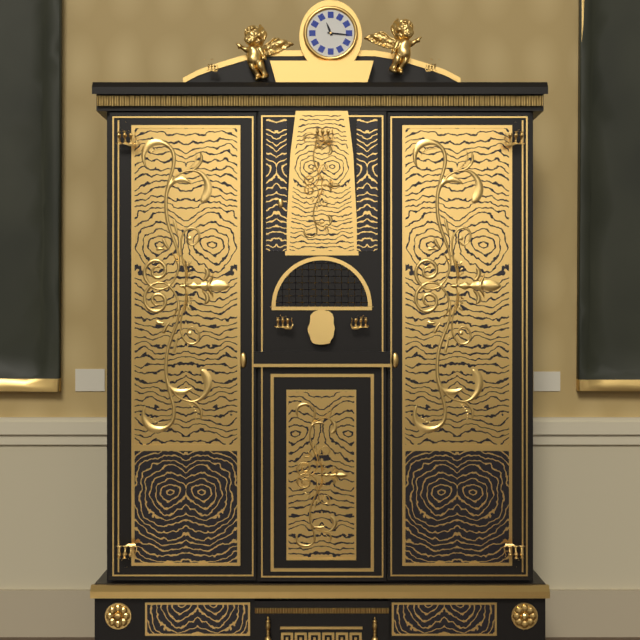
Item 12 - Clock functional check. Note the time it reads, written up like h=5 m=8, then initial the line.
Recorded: h=11 m=16
